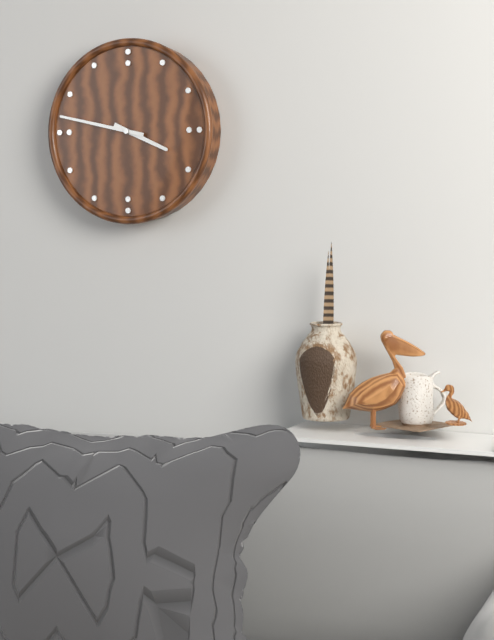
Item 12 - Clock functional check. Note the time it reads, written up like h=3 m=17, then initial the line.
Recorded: h=3 m=47
